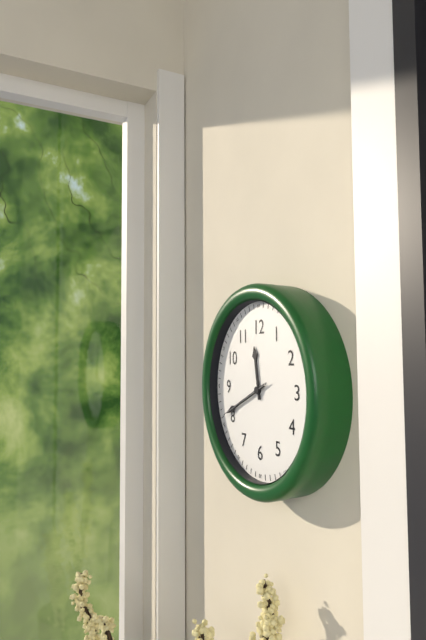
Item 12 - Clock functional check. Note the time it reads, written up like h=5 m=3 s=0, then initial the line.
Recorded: h=11 m=41 s=41
